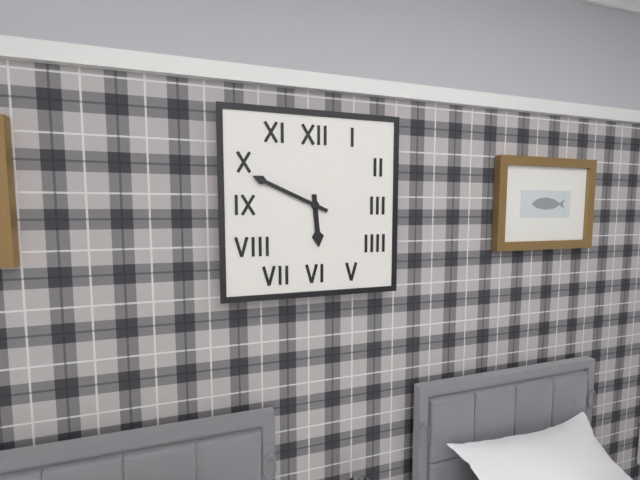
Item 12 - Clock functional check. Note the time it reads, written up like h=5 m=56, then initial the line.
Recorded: h=5 m=49
